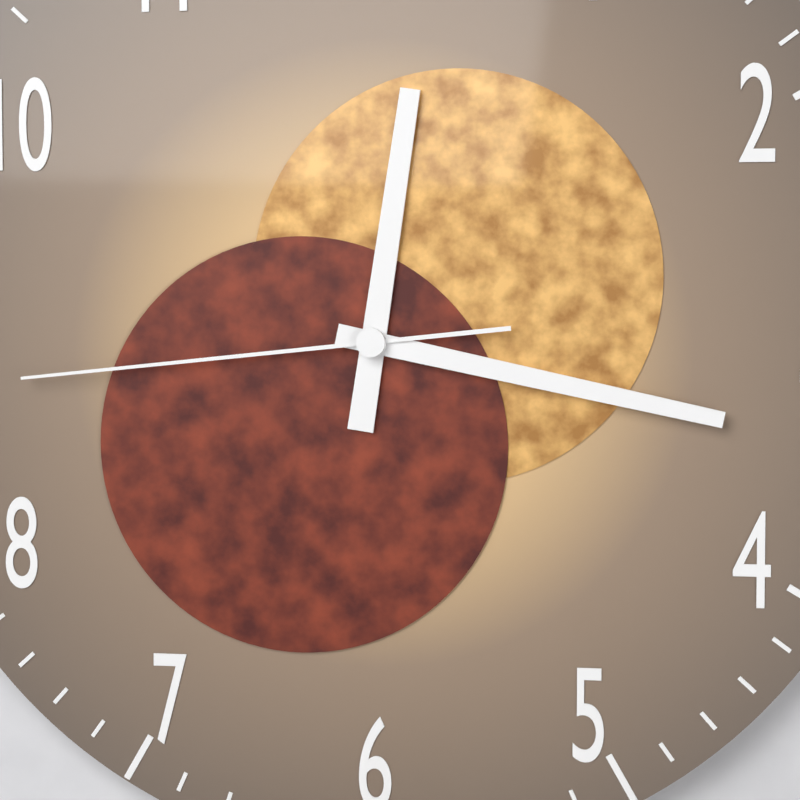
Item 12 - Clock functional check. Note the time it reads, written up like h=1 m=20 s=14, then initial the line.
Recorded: h=12 m=17 s=44
